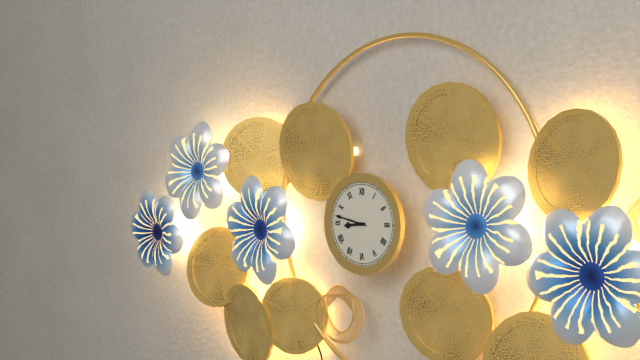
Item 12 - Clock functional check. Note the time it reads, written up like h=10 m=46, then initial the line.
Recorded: h=8 m=47
